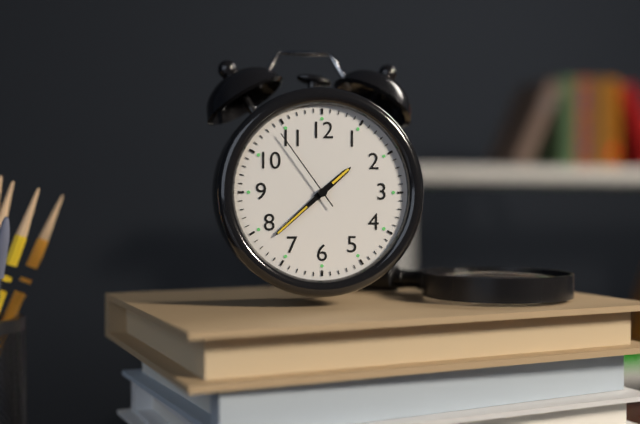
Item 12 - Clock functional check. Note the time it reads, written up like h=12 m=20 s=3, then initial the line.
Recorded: h=1 m=38 s=54
